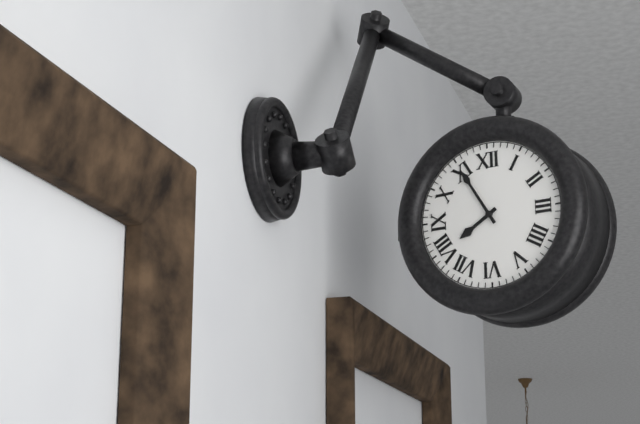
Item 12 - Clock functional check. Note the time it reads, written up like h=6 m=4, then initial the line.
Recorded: h=7 m=55
